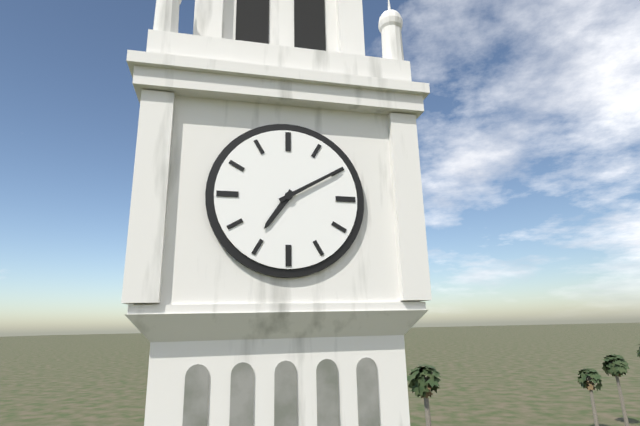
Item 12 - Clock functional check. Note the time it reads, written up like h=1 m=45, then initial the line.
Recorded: h=7 m=10
